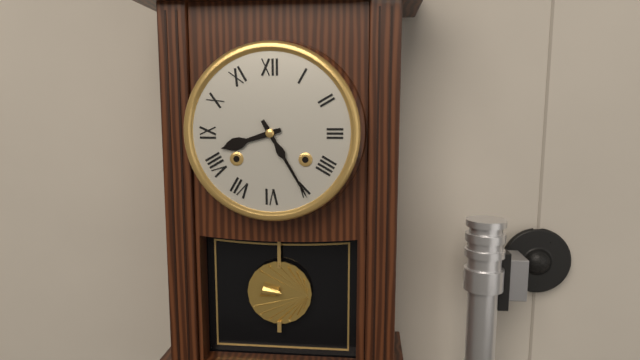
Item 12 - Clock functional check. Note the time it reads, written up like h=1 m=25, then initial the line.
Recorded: h=8 m=25
